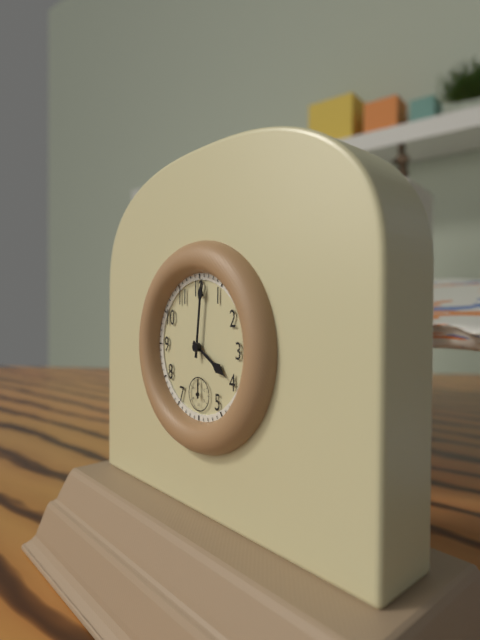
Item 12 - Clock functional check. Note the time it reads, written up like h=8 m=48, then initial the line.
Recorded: h=4 m=1
